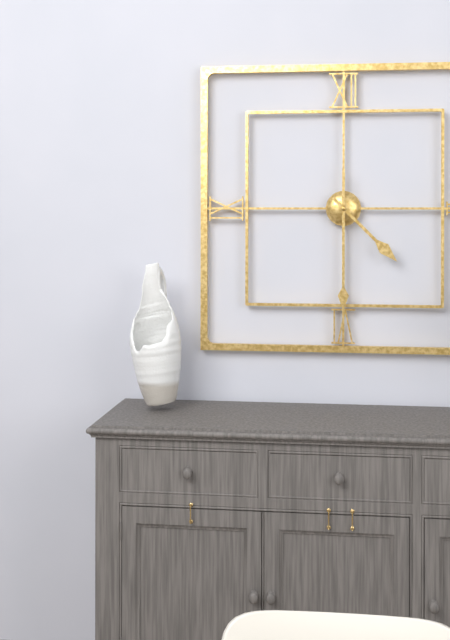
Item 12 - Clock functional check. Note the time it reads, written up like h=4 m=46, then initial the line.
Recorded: h=4 m=30
